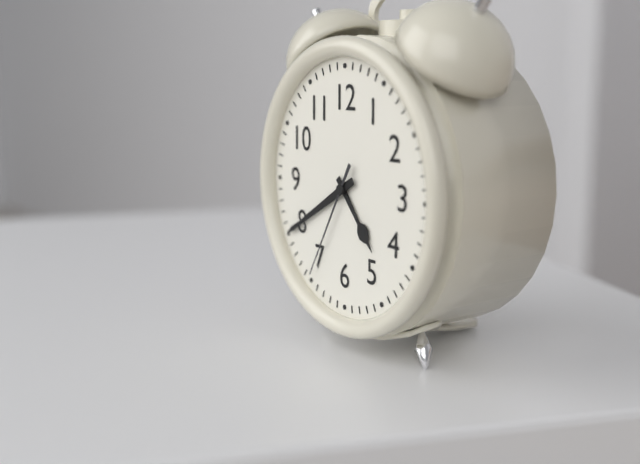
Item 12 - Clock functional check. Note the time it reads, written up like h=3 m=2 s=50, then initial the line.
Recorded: h=4 m=40 s=35
